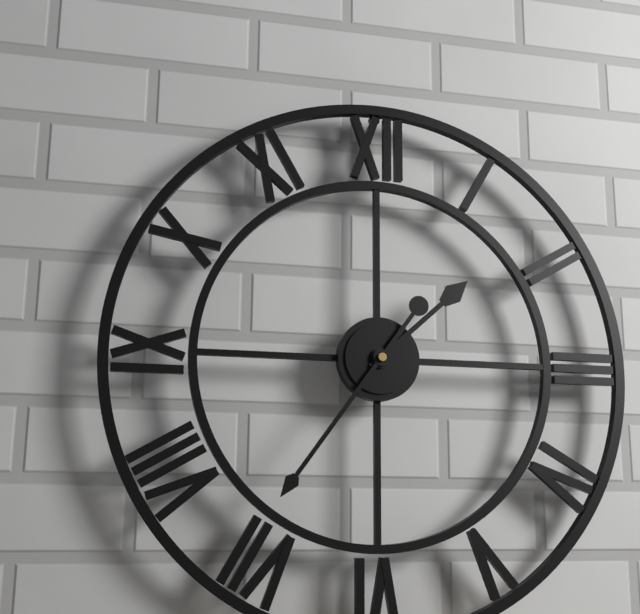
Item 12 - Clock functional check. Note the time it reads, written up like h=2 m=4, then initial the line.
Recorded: h=1 m=36
